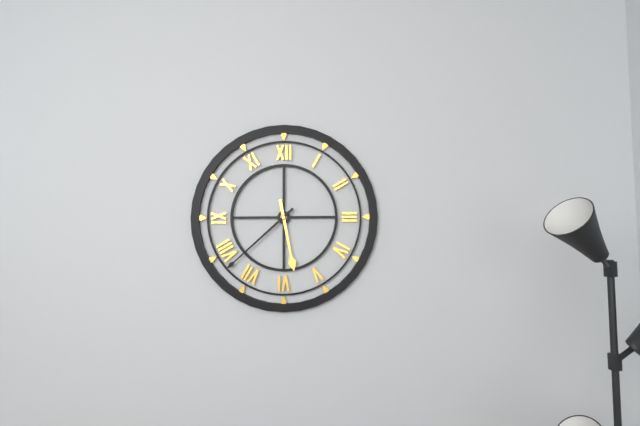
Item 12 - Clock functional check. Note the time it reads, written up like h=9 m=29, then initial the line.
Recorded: h=5 m=38
